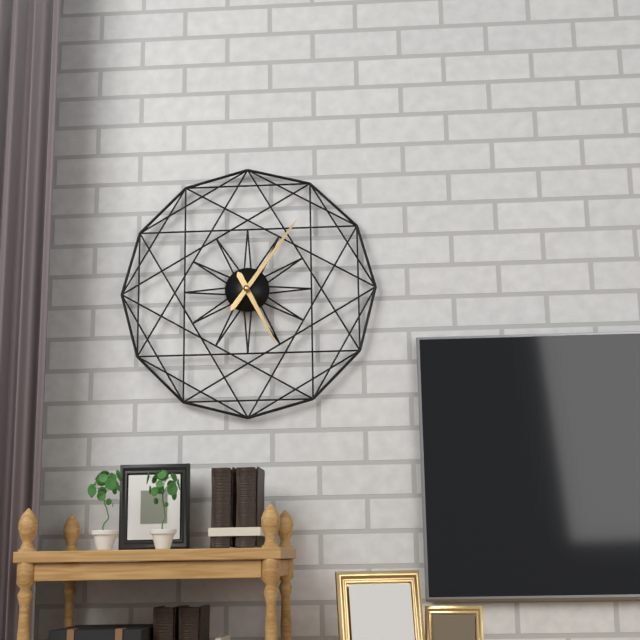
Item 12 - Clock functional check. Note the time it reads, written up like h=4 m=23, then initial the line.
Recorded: h=5 m=6
